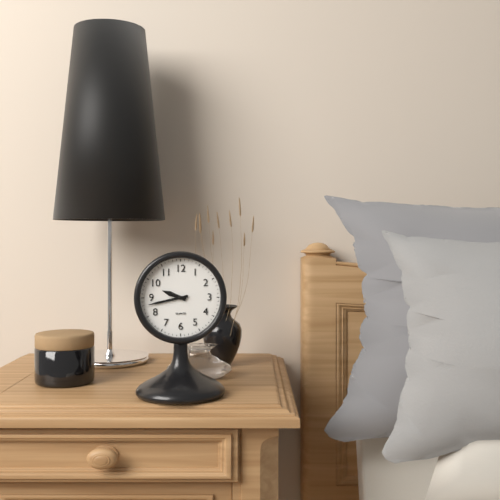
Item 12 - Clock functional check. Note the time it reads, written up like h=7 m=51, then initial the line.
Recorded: h=9 m=43
